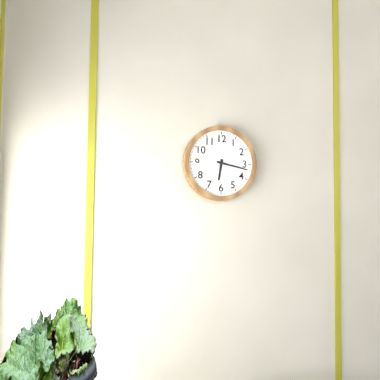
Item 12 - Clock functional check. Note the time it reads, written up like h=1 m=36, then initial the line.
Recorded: h=6 m=17
